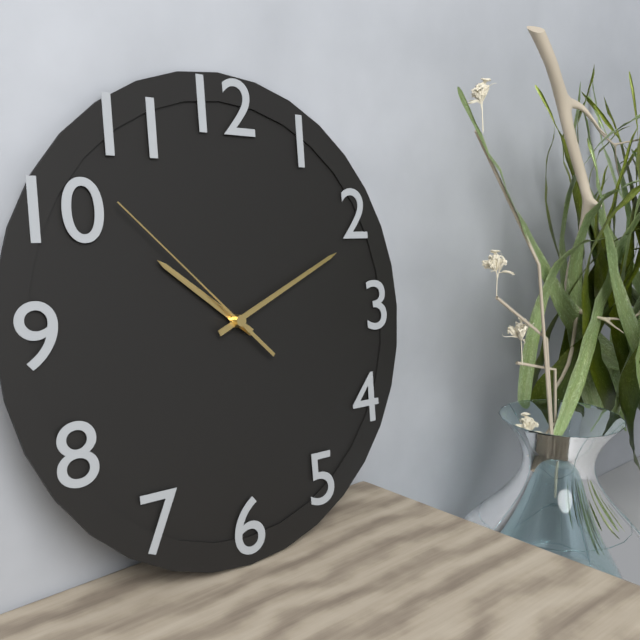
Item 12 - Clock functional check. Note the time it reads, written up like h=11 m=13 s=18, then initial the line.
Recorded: h=10 m=11 s=52
